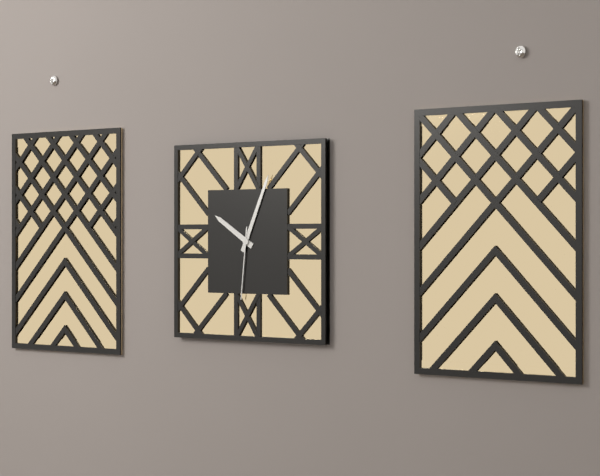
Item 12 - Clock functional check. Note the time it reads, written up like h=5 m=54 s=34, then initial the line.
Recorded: h=10 m=4 s=31
